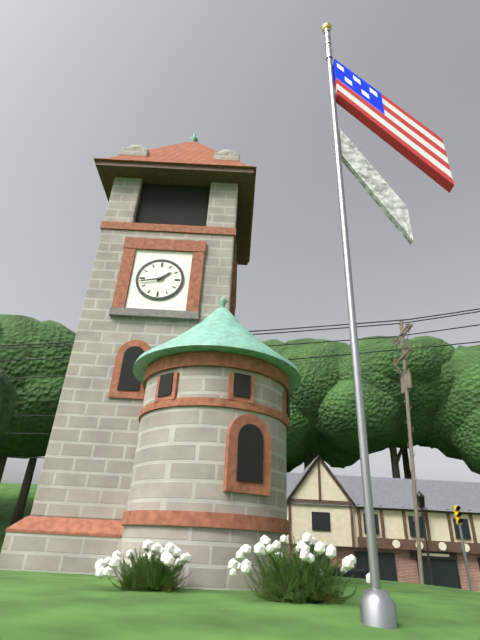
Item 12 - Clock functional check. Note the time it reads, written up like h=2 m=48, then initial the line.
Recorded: h=1 m=43
